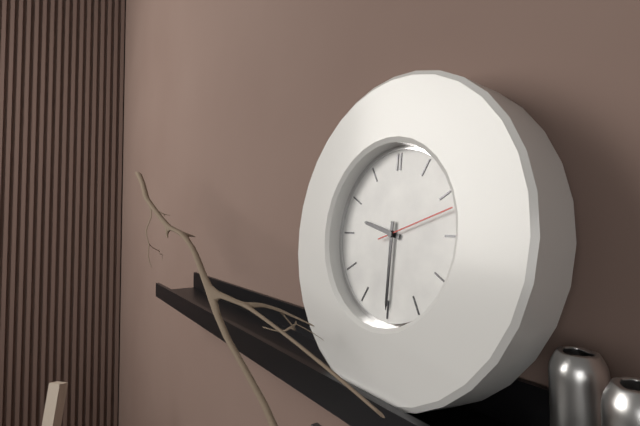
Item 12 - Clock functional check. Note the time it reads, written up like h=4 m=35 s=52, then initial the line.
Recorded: h=9 m=30 s=12
